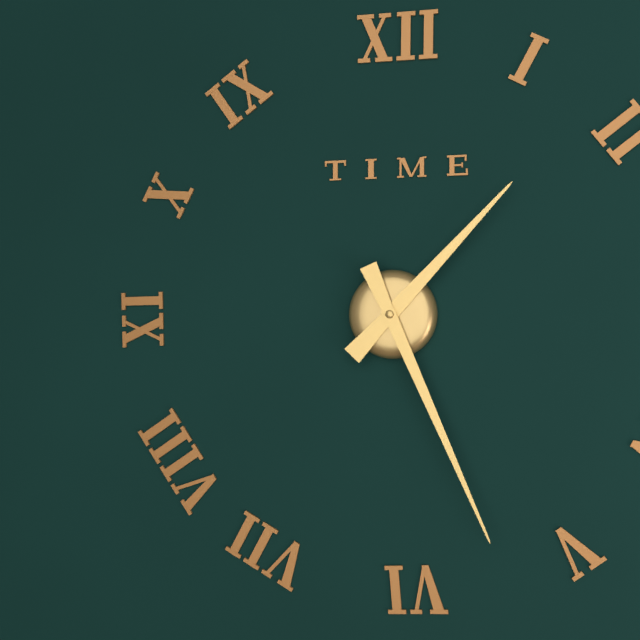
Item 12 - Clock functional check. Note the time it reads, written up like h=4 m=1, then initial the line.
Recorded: h=1 m=26
